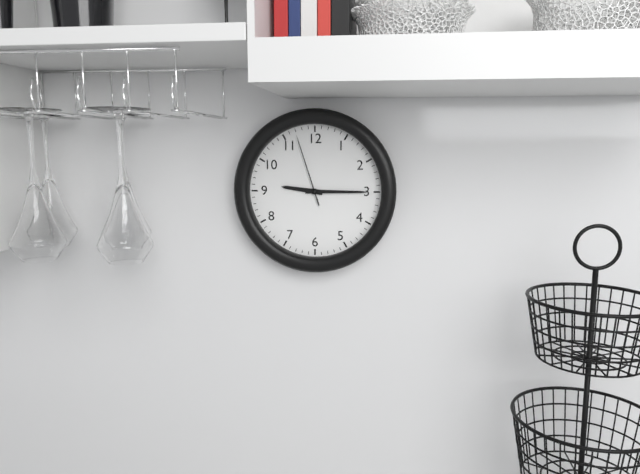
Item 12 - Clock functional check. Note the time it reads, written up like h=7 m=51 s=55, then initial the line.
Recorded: h=9 m=15 s=57
